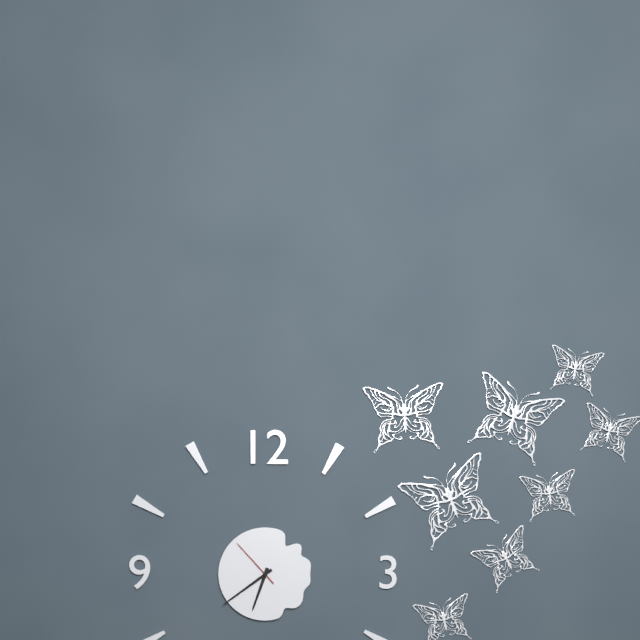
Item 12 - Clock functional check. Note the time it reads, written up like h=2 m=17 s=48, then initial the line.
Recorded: h=6 m=39 s=53
